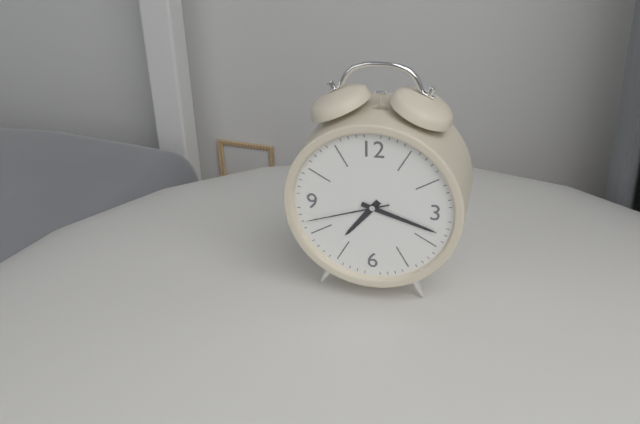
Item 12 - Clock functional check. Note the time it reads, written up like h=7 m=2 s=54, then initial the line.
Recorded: h=7 m=18 s=42
